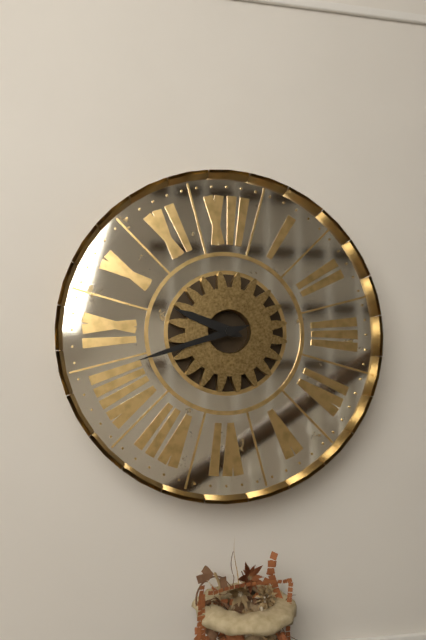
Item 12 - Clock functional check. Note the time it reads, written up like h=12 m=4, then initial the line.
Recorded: h=9 m=42
